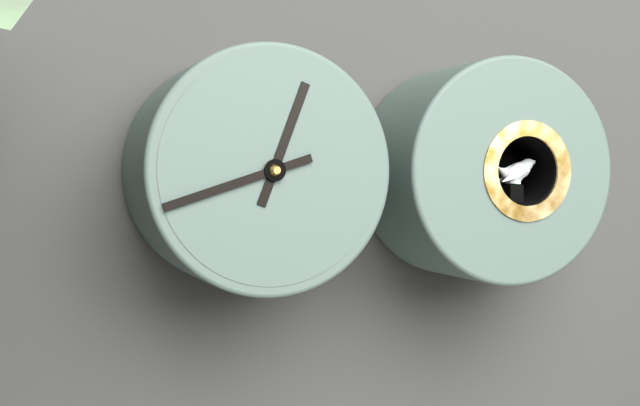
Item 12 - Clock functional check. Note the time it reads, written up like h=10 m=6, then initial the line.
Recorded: h=12 m=42
